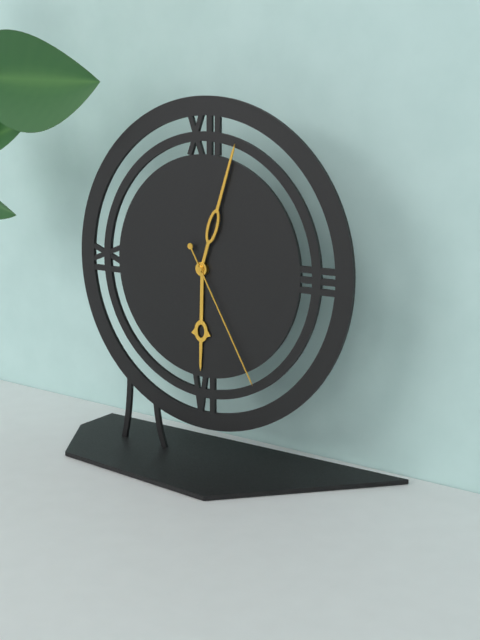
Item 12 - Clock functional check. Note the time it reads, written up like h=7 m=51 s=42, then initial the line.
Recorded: h=6 m=3 s=25
